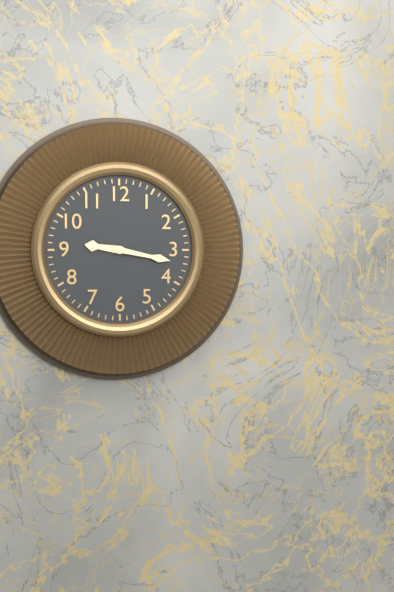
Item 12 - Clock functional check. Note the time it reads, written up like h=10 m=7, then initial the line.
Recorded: h=9 m=17
